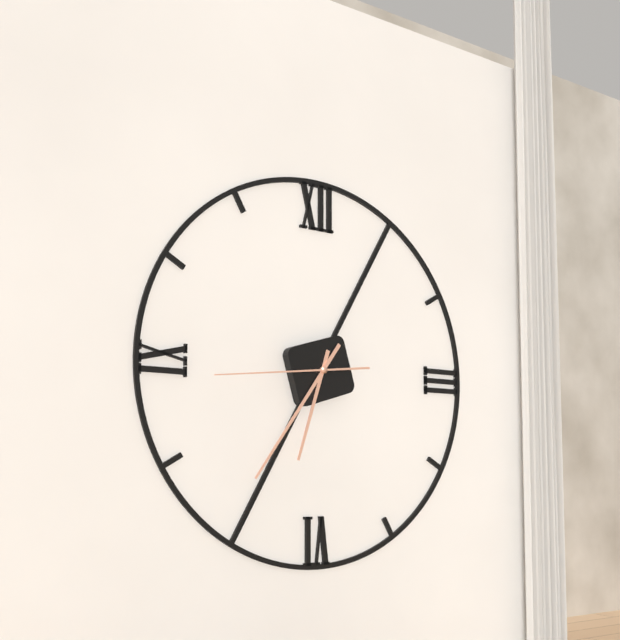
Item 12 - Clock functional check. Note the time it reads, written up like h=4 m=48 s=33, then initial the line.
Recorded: h=6 m=36 s=44
